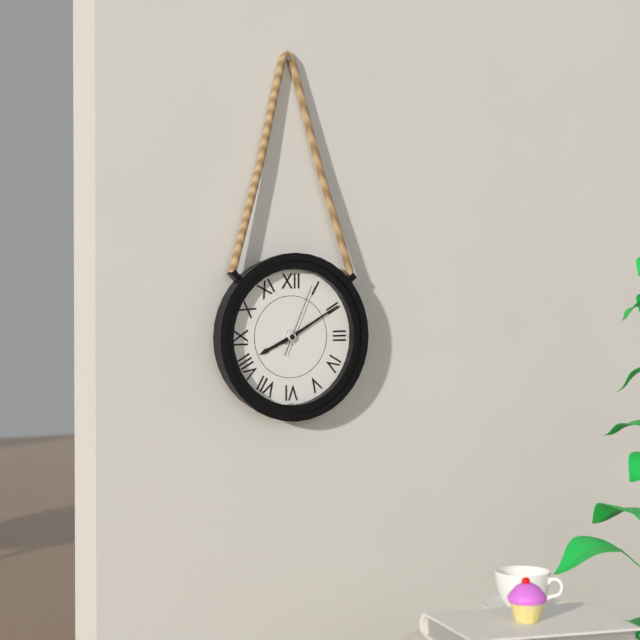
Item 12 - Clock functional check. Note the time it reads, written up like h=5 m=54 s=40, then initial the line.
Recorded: h=8 m=10 s=4
